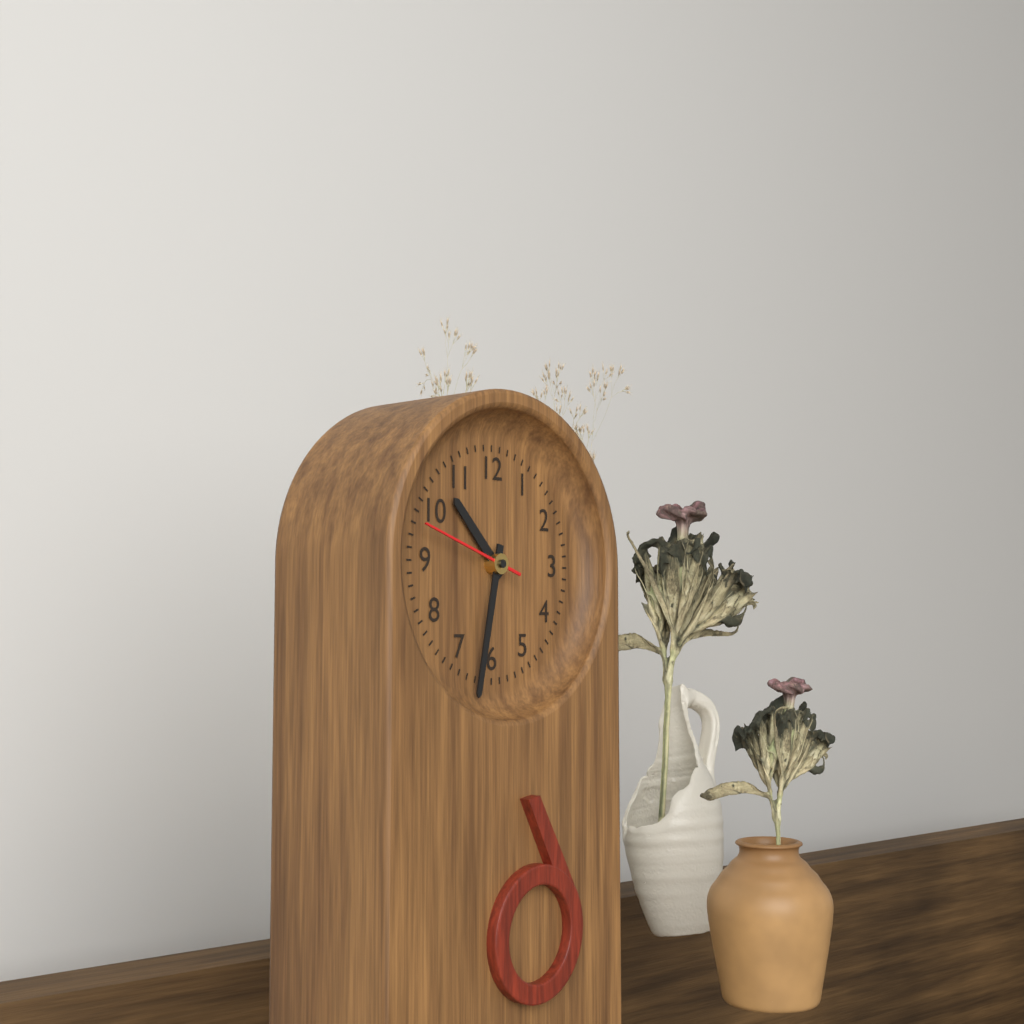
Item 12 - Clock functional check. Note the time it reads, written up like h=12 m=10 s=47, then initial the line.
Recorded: h=10 m=32 s=48
